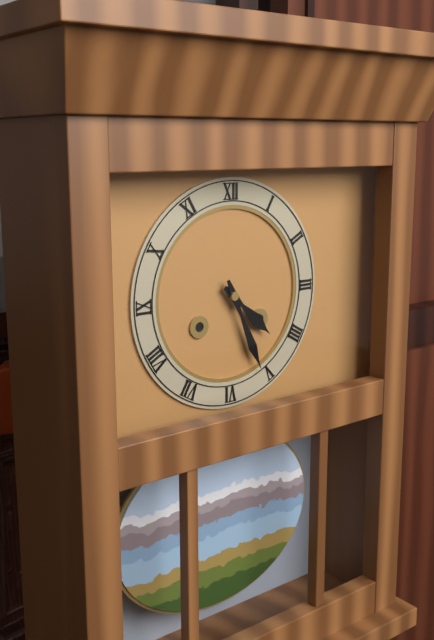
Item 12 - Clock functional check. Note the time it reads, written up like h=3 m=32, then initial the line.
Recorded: h=4 m=26
